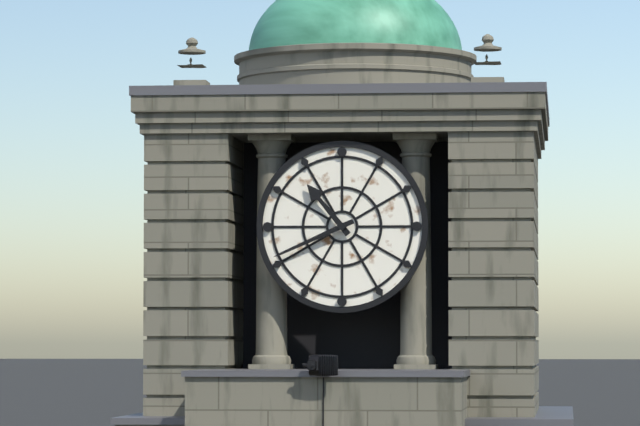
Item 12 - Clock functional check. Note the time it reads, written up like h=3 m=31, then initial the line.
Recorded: h=10 m=41
